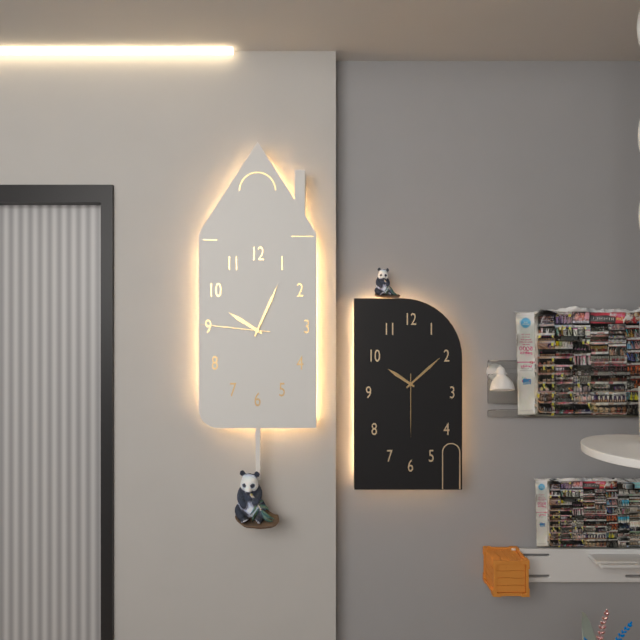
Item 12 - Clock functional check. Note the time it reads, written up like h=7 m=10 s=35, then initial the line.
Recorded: h=10 m=4 s=46
